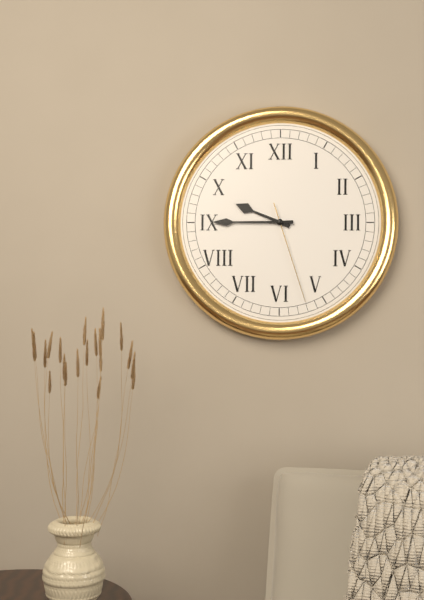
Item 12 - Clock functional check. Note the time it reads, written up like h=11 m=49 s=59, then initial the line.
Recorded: h=9 m=45 s=27
